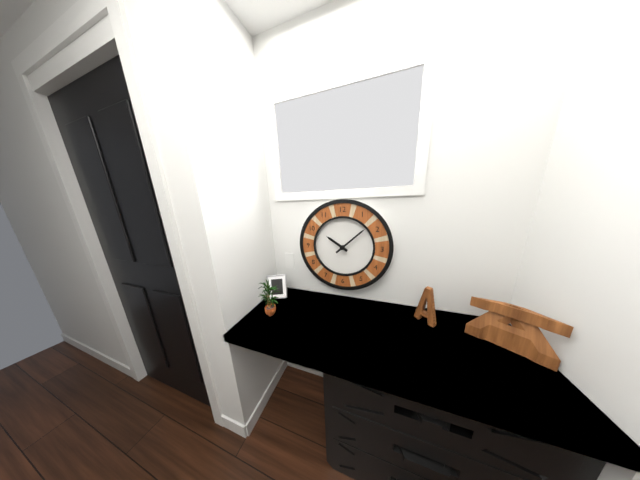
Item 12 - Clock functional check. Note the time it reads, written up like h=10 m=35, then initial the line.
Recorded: h=10 m=8
